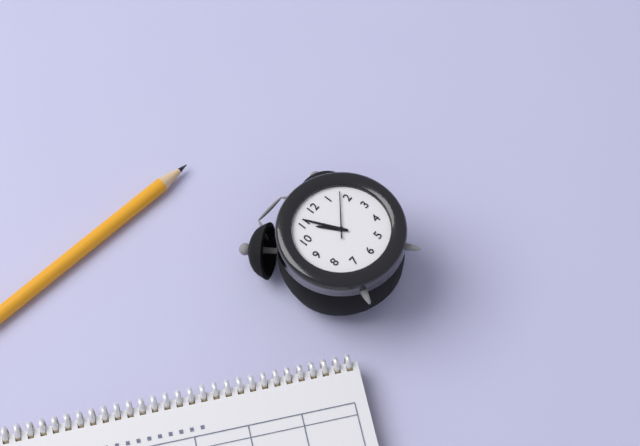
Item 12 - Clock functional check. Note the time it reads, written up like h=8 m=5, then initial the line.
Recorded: h=10 m=56
